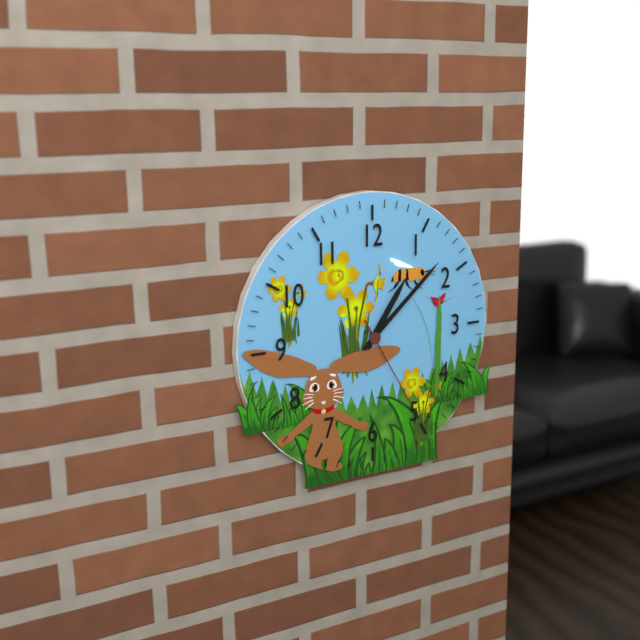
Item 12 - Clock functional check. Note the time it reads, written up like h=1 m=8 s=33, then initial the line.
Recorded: h=1 m=8 s=25
